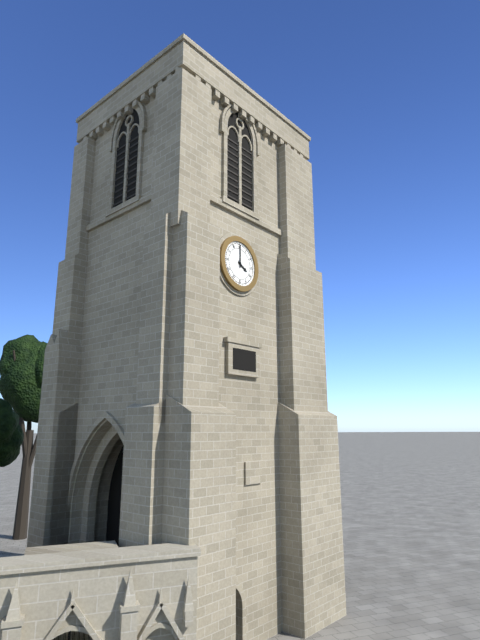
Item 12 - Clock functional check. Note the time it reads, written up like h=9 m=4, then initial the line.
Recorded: h=4 m=0
